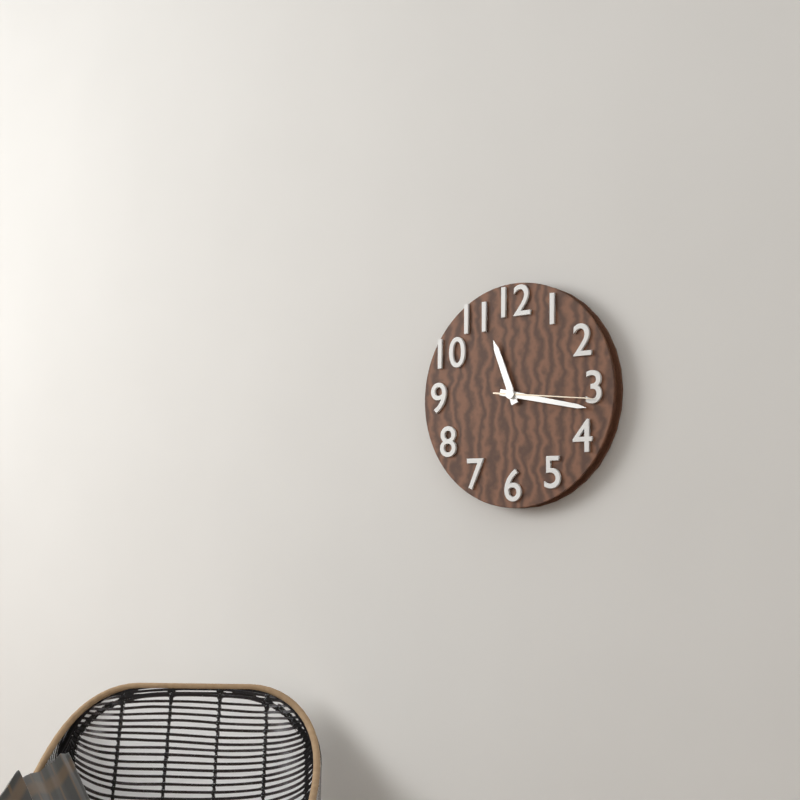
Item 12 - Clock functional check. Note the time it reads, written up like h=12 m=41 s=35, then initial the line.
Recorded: h=11 m=17 s=16
